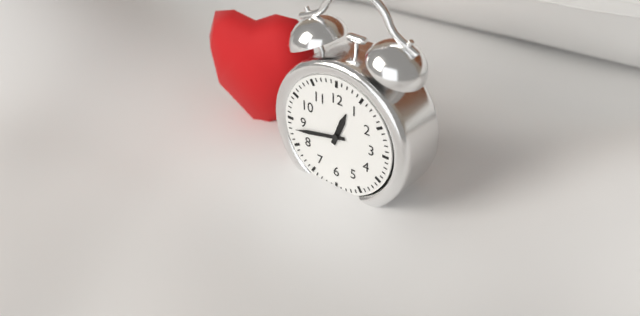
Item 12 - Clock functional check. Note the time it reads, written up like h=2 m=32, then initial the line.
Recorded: h=12 m=43
